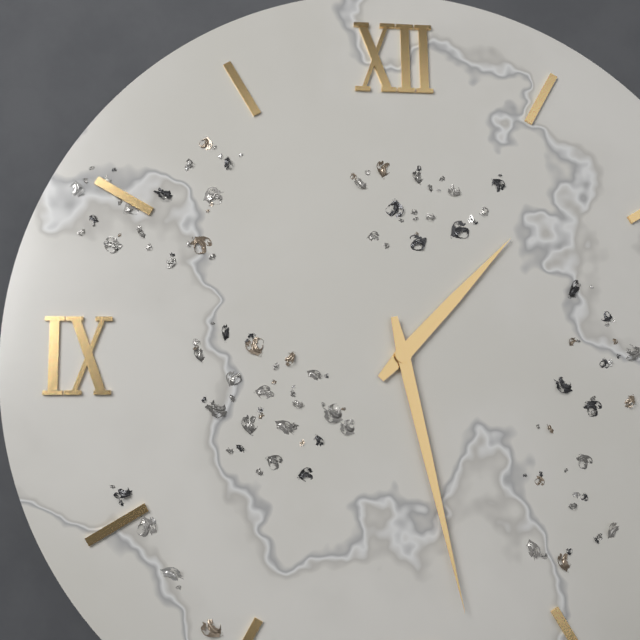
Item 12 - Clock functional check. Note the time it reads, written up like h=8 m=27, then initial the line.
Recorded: h=1 m=28
